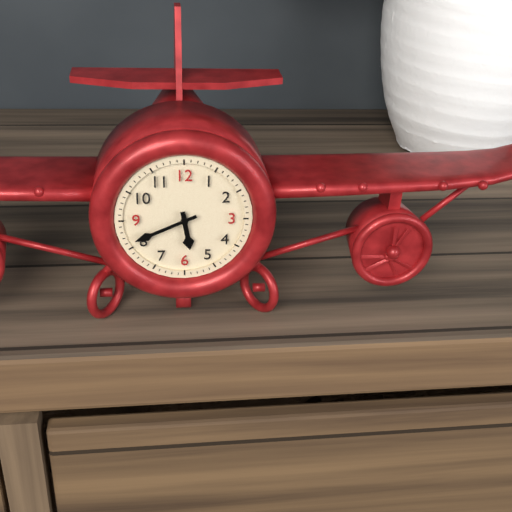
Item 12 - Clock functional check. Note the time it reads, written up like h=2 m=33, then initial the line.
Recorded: h=5 m=41
